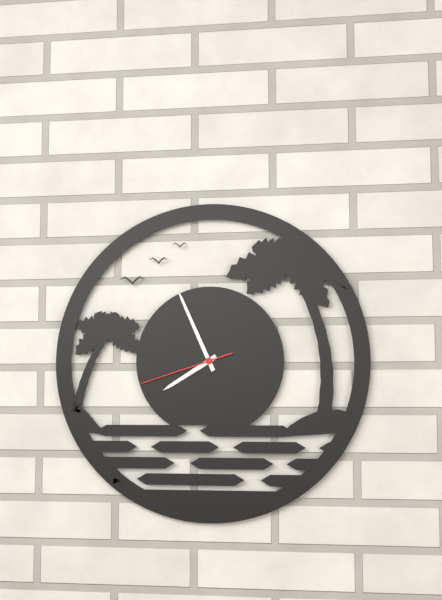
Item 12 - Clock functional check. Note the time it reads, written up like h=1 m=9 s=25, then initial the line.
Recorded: h=7 m=56 s=42
